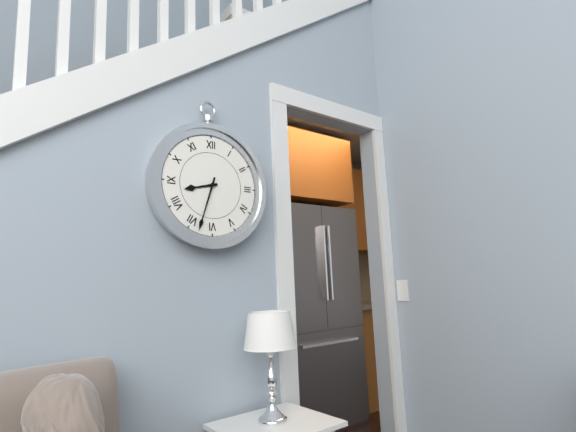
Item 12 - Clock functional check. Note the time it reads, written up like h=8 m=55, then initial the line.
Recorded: h=8 m=33
